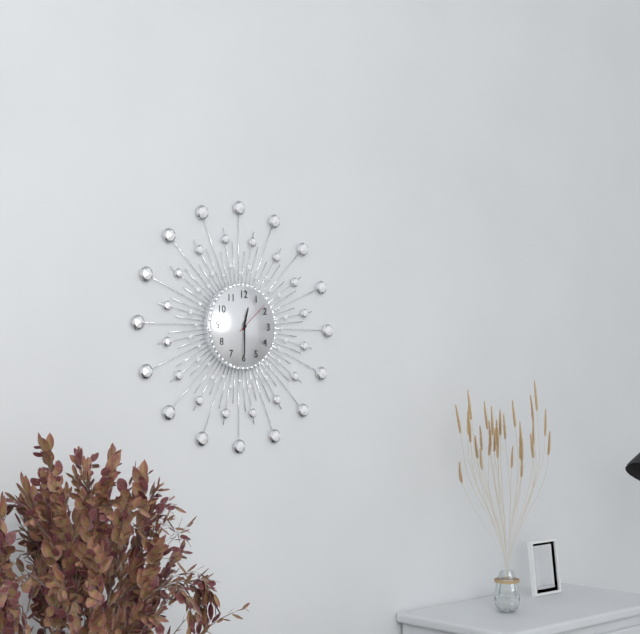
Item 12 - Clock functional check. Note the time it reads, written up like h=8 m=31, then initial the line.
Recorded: h=12 m=30
